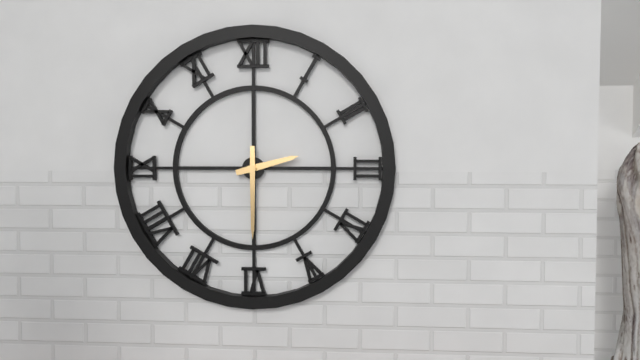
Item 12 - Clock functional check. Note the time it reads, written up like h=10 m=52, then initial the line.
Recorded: h=2 m=30
